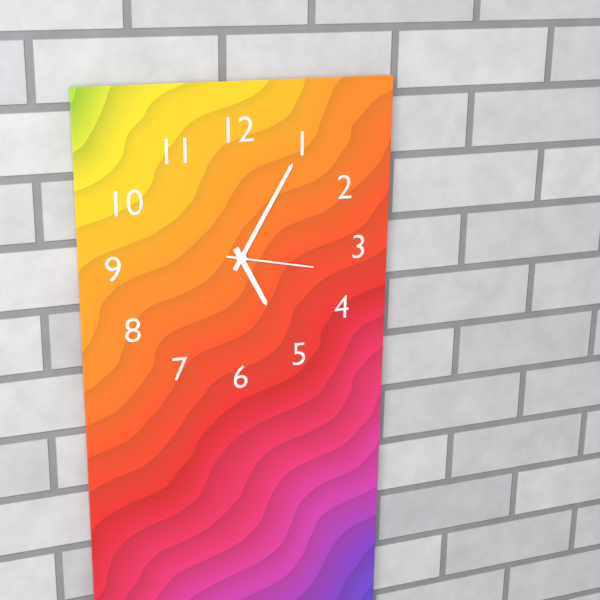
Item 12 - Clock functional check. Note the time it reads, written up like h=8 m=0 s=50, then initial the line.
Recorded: h=5 m=5 s=17
